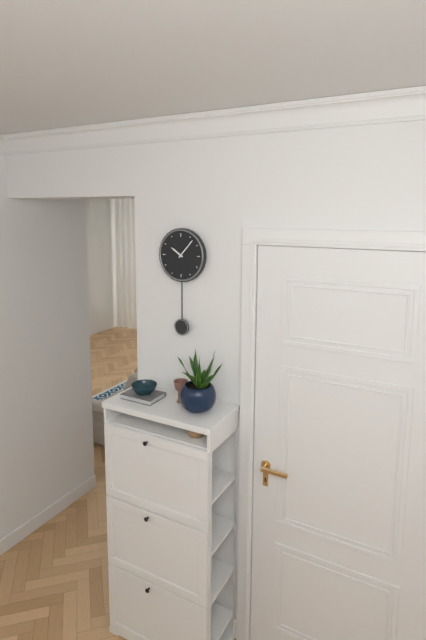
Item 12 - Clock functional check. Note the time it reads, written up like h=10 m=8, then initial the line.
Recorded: h=10 m=7
